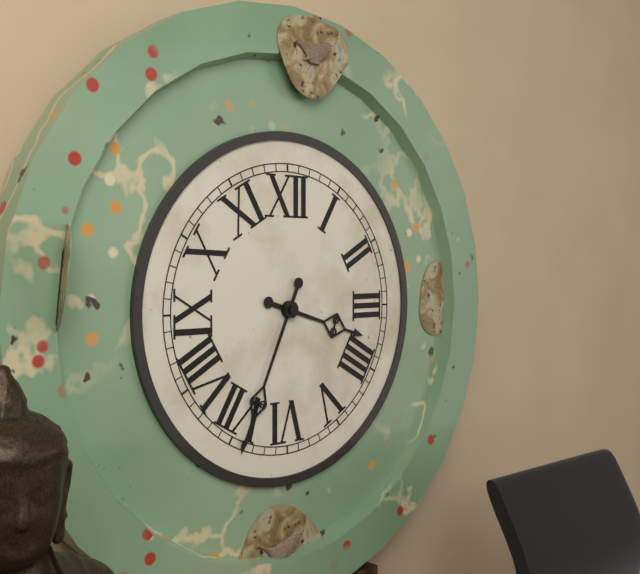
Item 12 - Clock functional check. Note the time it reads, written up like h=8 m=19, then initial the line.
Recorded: h=3 m=34
